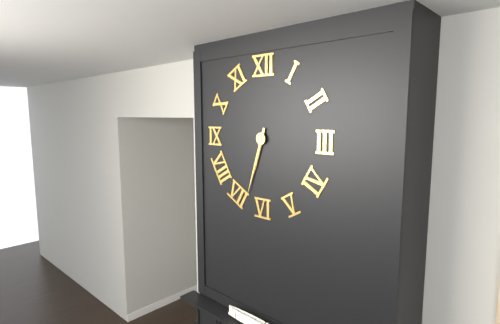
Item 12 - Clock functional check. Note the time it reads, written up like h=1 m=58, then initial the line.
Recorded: h=6 m=33
